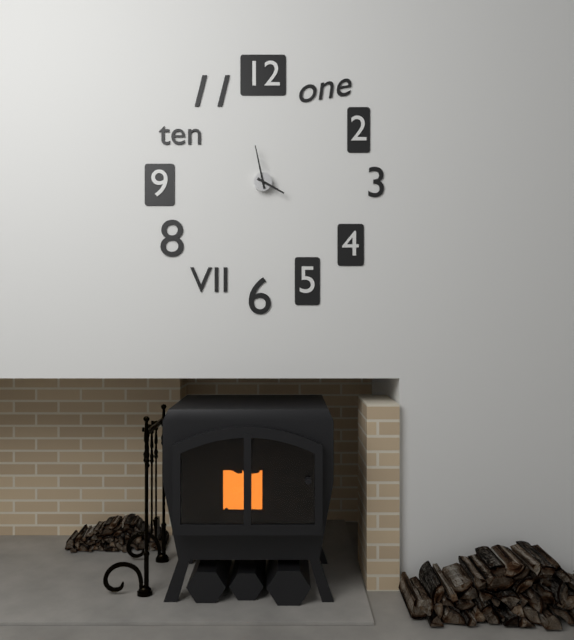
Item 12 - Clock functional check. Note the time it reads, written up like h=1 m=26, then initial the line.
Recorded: h=3 m=58
